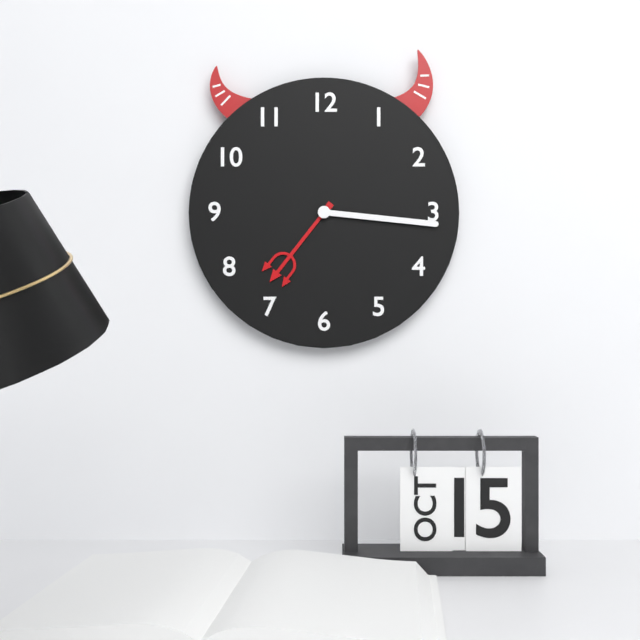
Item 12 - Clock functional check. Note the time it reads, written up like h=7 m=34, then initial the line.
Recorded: h=7 m=16
